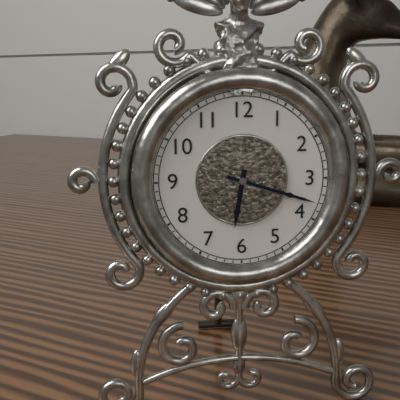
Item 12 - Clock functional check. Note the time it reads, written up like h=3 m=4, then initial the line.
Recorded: h=6 m=18
